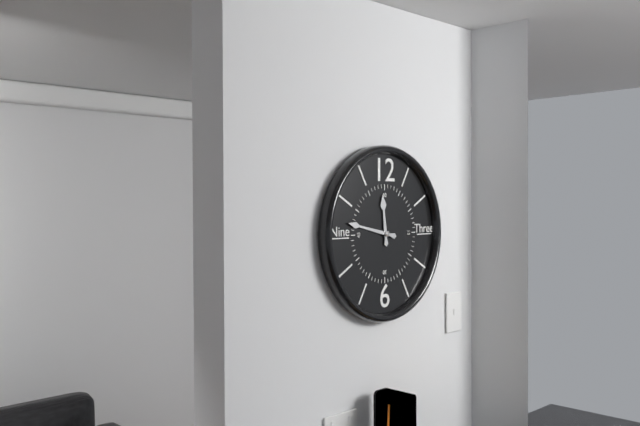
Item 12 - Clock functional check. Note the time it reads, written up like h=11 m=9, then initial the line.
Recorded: h=11 m=47
